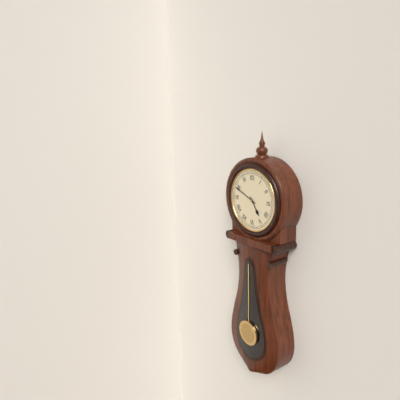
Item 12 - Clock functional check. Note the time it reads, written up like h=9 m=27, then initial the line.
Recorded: h=4 m=49
